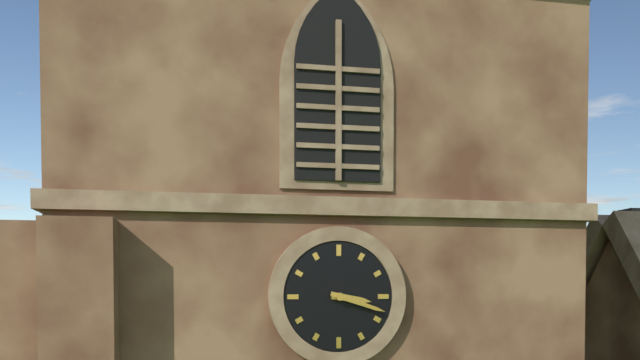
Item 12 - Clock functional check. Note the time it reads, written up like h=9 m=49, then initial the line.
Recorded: h=3 m=18
